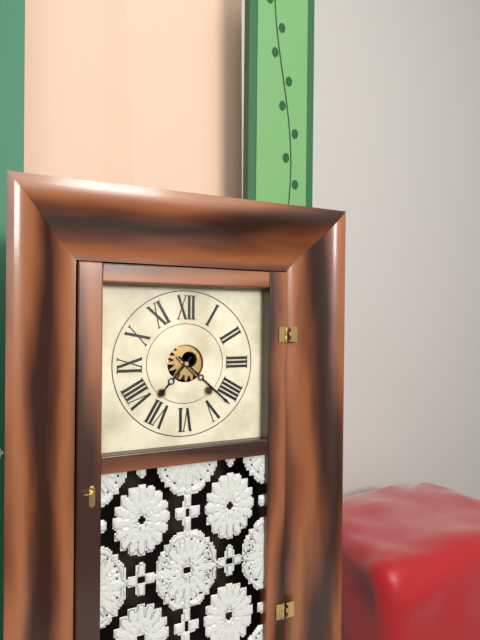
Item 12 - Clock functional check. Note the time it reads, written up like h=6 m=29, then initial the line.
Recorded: h=7 m=22
